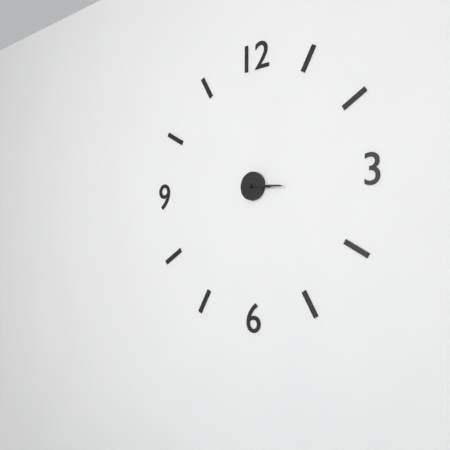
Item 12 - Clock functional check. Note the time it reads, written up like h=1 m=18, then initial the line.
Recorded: h=3 m=16
